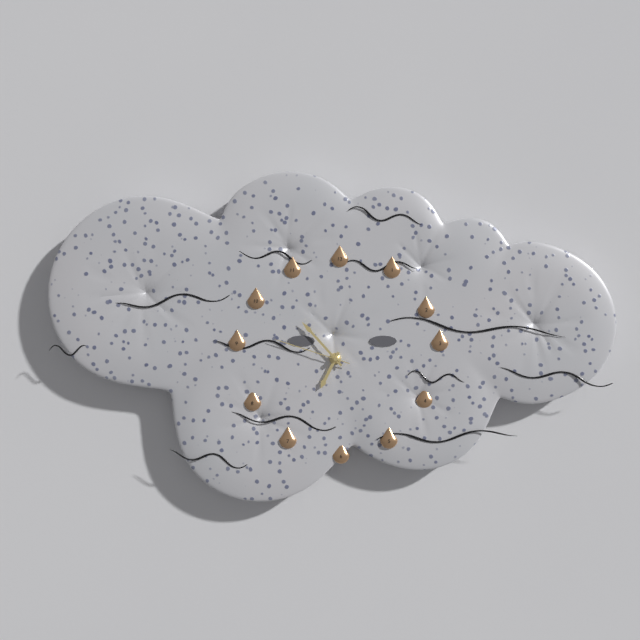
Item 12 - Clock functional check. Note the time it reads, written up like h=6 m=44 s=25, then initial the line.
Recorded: h=6 m=53 s=48
